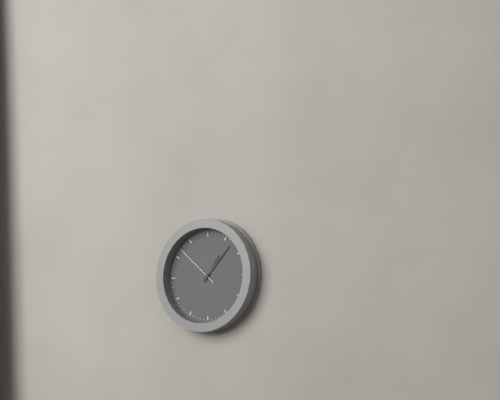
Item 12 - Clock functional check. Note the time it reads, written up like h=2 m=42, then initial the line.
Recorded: h=1 m=7
